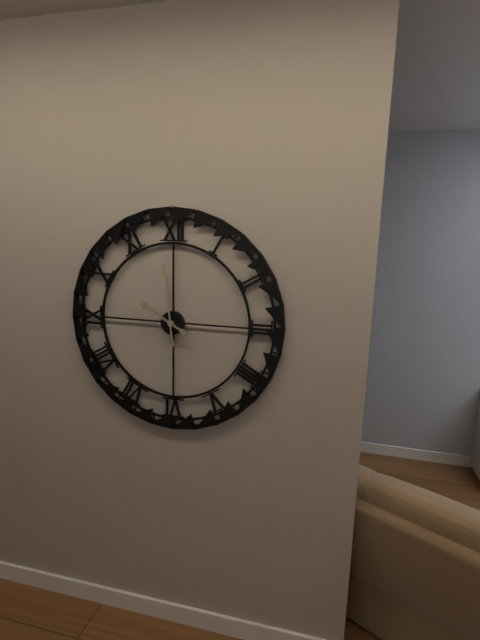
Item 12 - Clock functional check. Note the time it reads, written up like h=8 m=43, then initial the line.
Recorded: h=9 m=59
